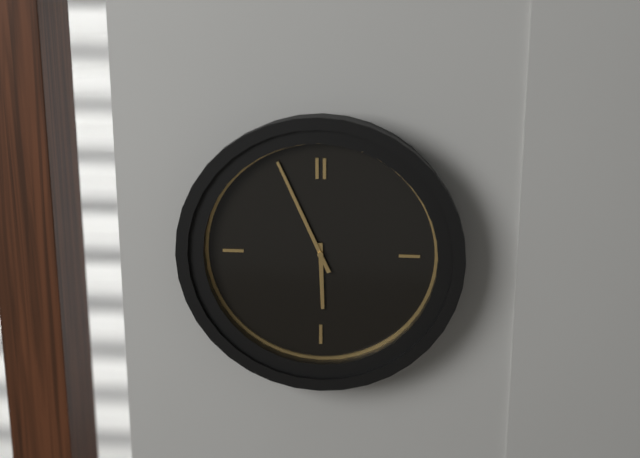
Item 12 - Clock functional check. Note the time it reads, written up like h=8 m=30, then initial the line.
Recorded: h=5 m=56
